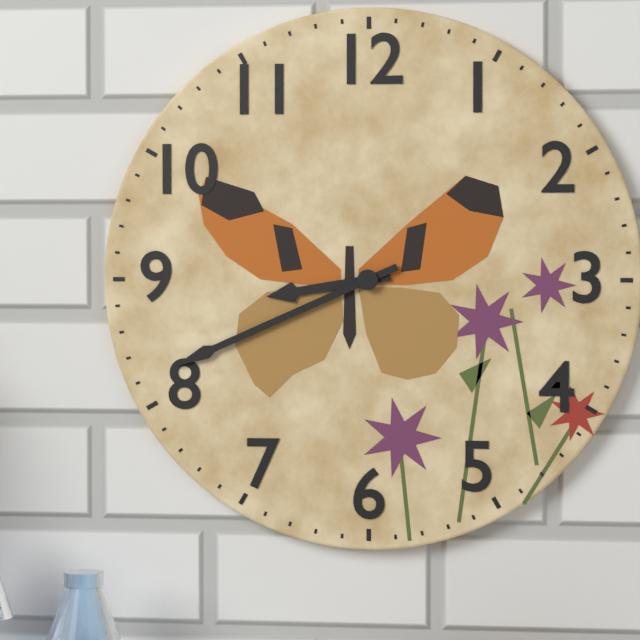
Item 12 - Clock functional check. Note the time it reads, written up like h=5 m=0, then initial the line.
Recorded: h=8 m=41
